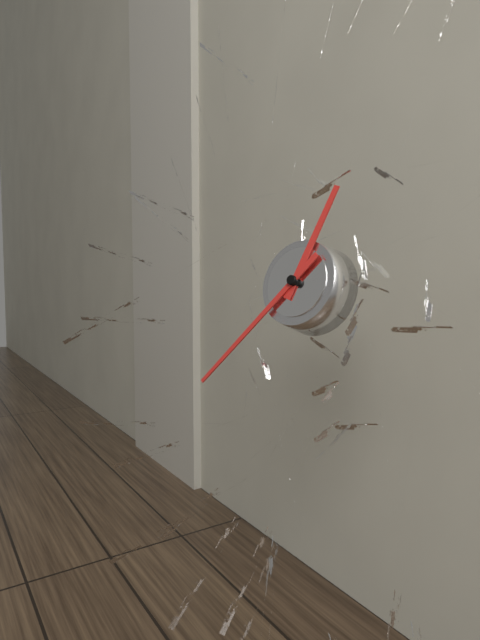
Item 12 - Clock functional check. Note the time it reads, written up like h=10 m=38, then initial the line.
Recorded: h=12 m=37
